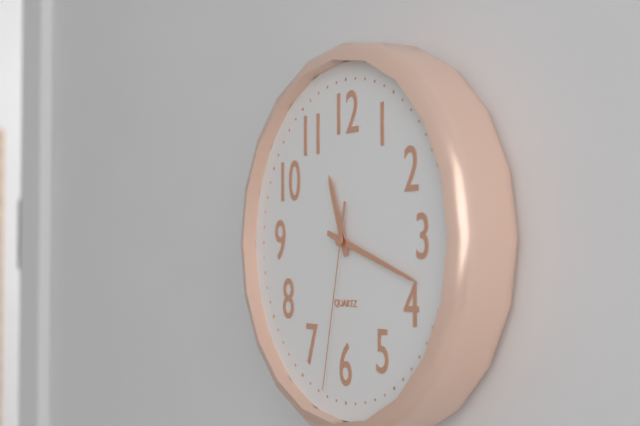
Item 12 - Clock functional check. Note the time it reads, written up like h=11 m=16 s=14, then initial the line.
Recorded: h=11 m=18 s=32
